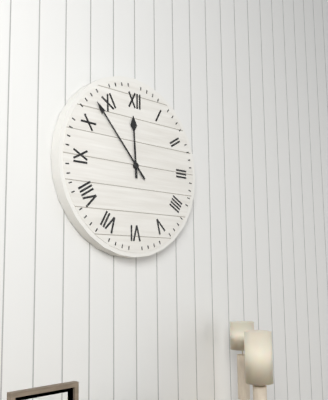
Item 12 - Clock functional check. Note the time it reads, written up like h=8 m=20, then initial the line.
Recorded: h=11 m=53
